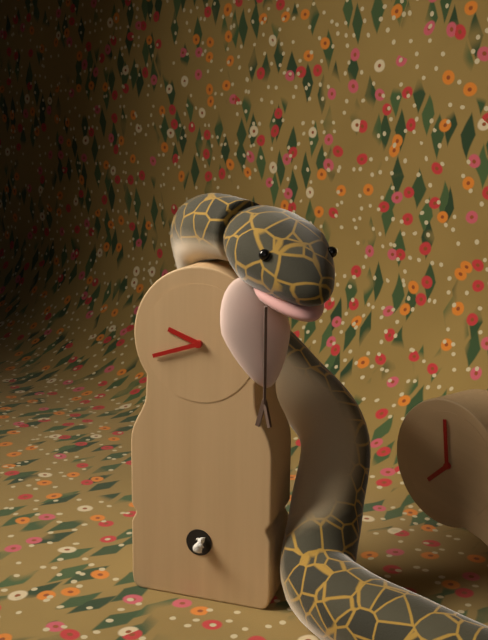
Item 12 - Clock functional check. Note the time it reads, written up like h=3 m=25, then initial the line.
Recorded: h=9 m=42
